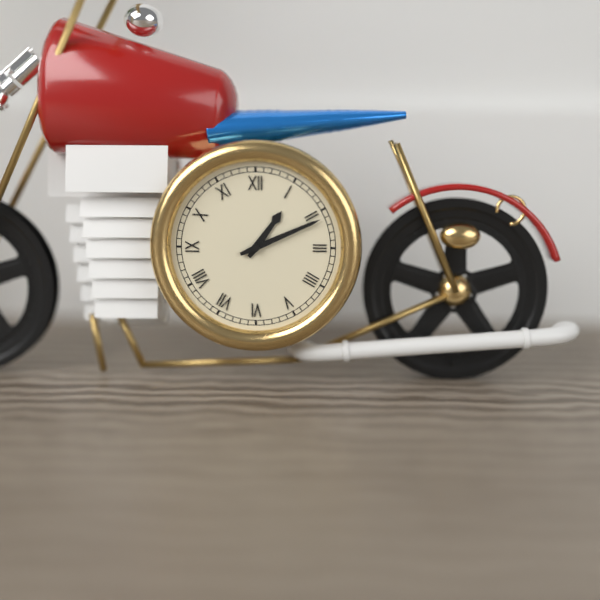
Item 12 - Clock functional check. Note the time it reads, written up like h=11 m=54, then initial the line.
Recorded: h=1 m=11
